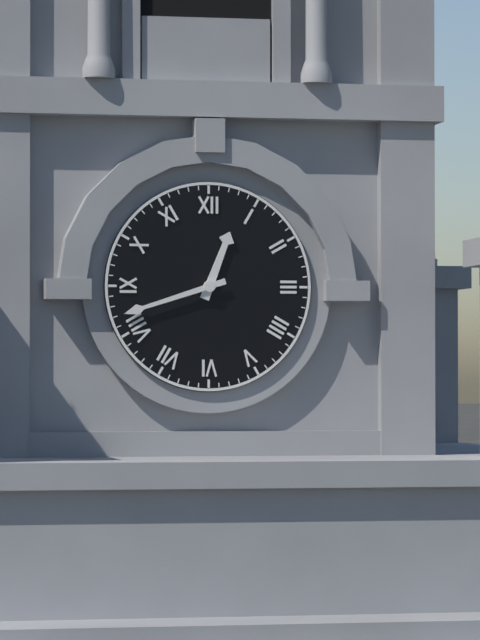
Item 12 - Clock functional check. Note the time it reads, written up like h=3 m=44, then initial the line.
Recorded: h=12 m=42
